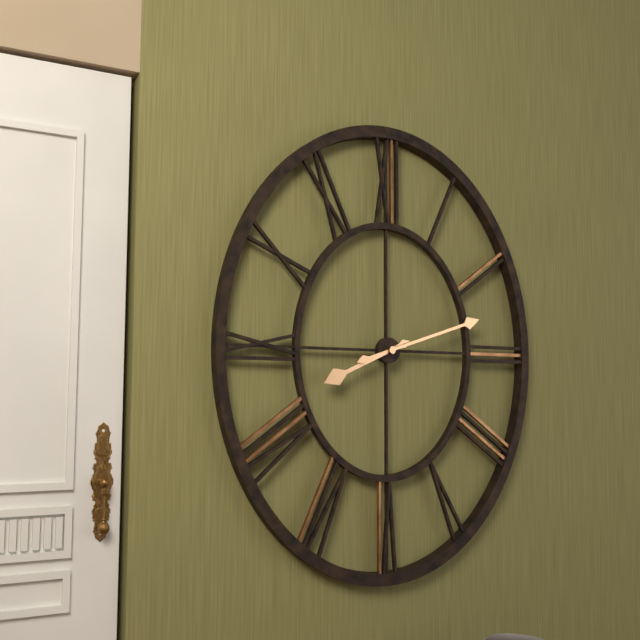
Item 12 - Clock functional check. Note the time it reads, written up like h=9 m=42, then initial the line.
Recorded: h=8 m=12
